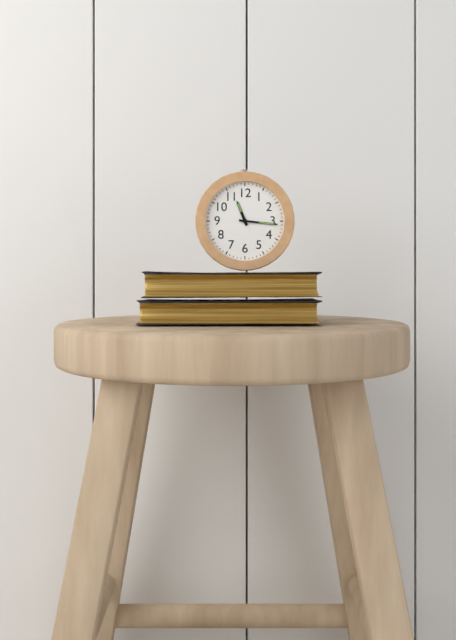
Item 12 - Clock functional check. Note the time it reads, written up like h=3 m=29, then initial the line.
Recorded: h=11 m=16
